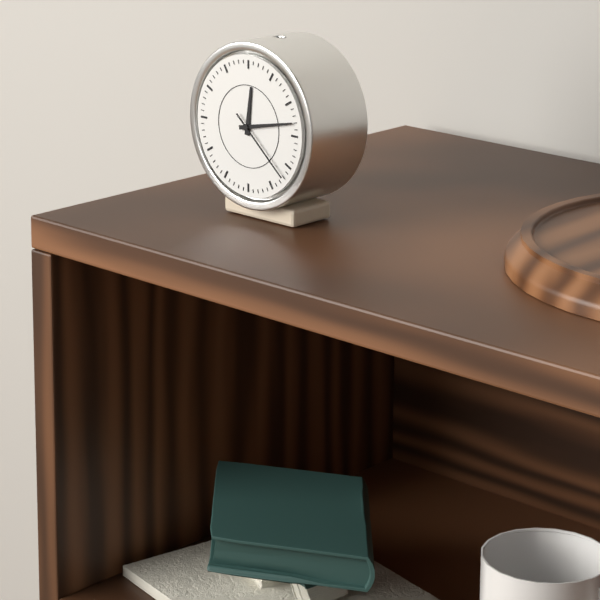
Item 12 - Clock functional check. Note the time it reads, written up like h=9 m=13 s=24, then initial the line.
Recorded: h=12 m=13 s=22
